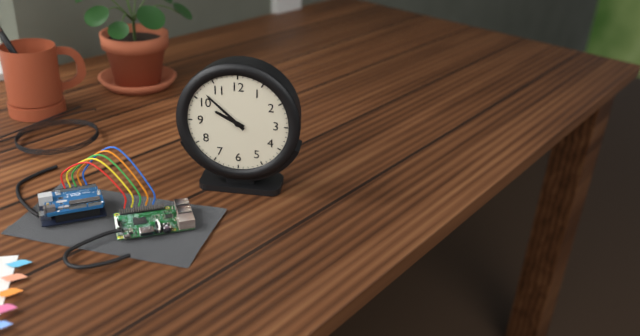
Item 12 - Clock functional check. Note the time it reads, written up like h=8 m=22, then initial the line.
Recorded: h=9 m=52
